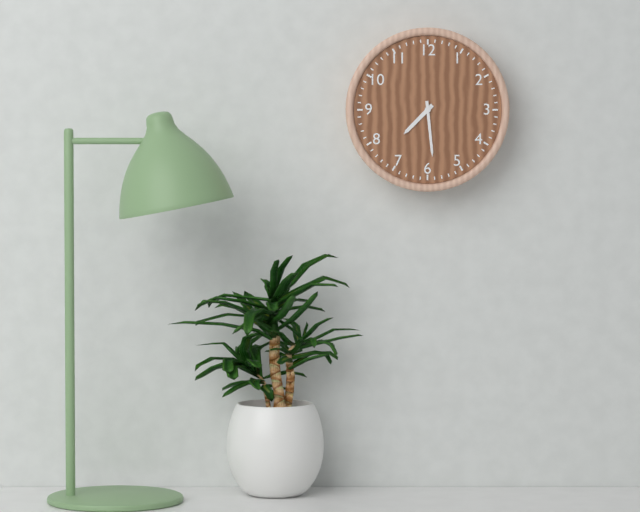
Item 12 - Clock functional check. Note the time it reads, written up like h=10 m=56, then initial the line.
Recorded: h=7 m=29
